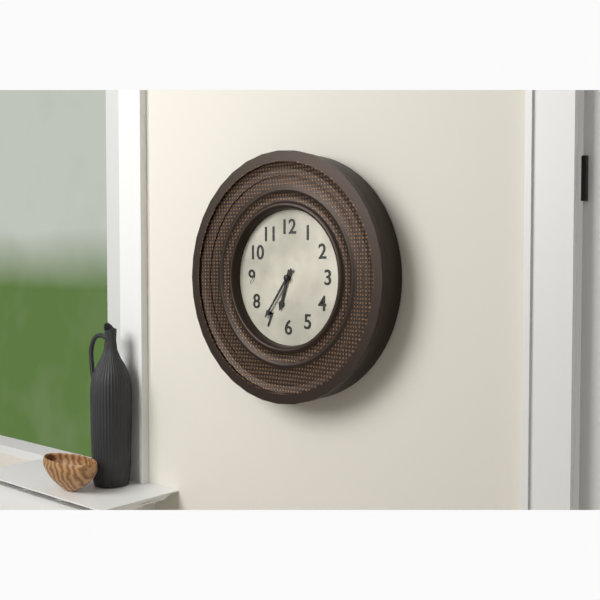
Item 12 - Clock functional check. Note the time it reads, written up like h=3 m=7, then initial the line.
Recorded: h=6 m=36
